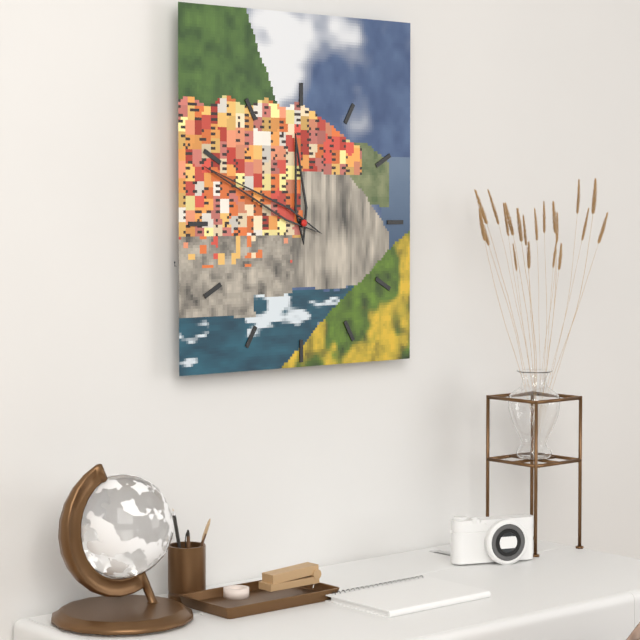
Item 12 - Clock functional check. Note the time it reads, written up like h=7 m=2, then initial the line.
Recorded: h=11 m=49
